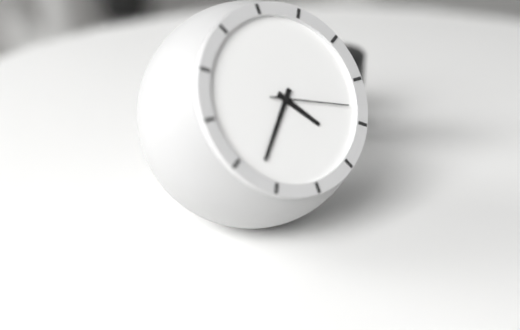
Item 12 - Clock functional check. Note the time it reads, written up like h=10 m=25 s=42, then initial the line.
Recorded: h=4 m=37 s=18
